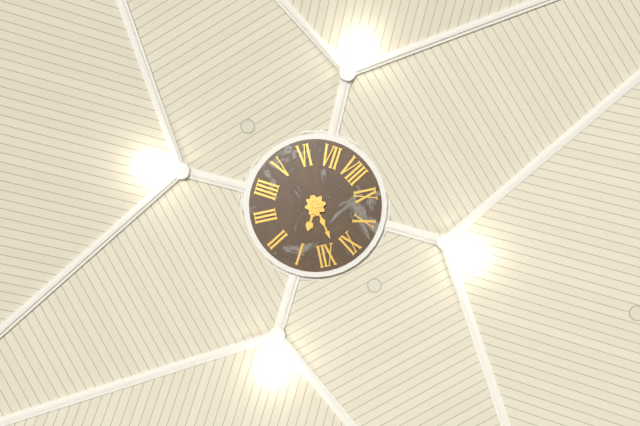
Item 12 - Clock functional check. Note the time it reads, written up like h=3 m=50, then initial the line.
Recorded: h=12 m=58
